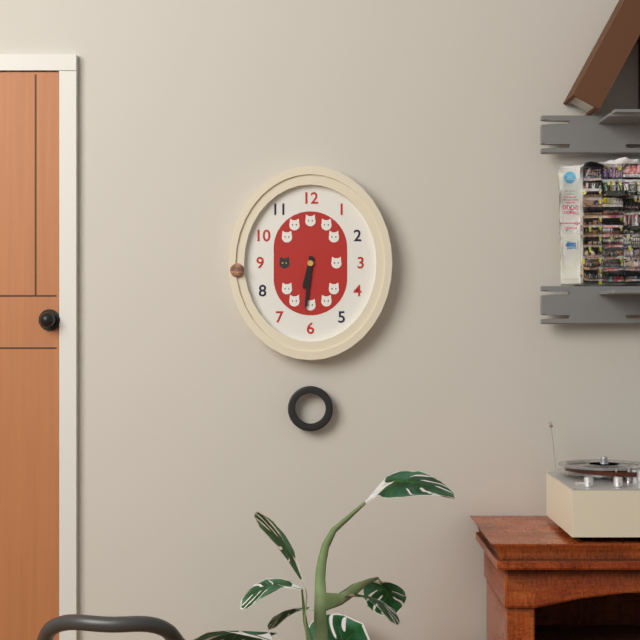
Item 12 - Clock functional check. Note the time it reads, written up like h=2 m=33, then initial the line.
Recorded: h=6 m=31
